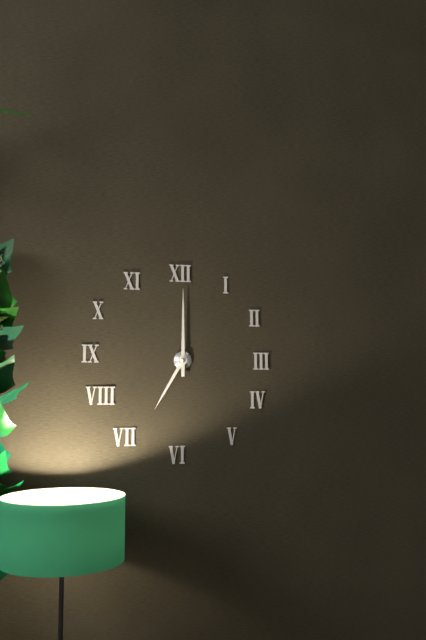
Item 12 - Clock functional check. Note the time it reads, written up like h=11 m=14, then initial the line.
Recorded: h=7 m=0
